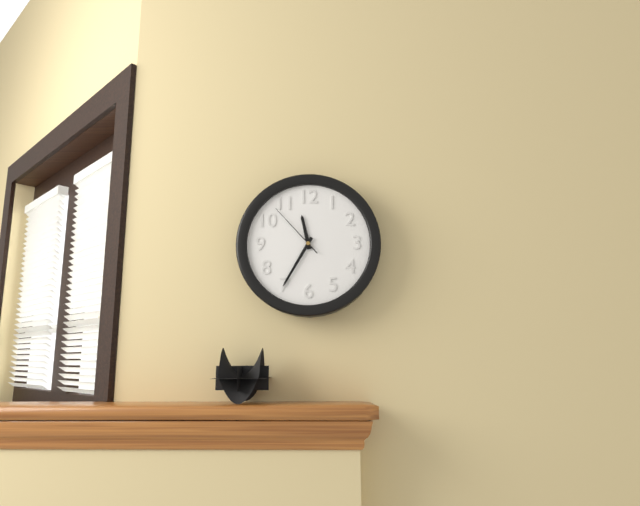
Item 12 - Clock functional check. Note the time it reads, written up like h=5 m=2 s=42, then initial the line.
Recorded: h=11 m=35 s=53
